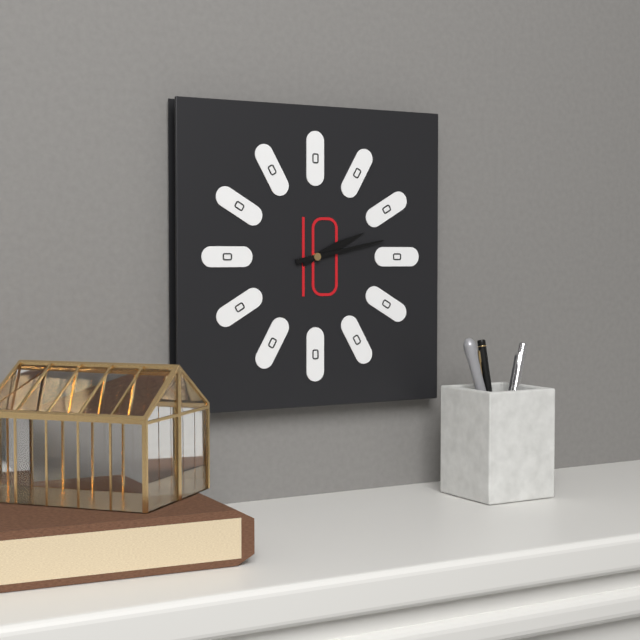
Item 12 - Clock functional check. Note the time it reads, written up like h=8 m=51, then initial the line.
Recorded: h=2 m=13
